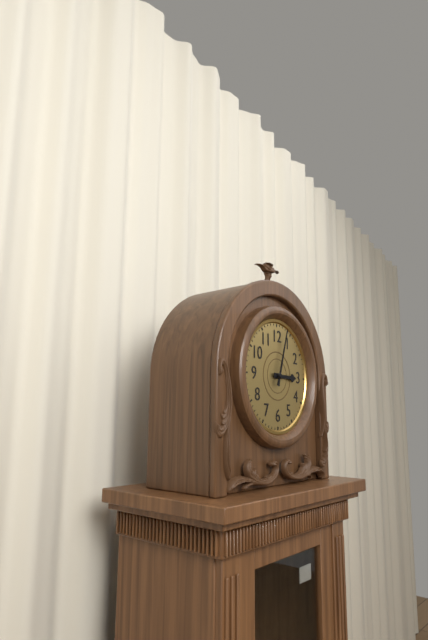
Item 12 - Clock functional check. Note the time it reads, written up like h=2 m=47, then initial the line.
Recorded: h=3 m=3
